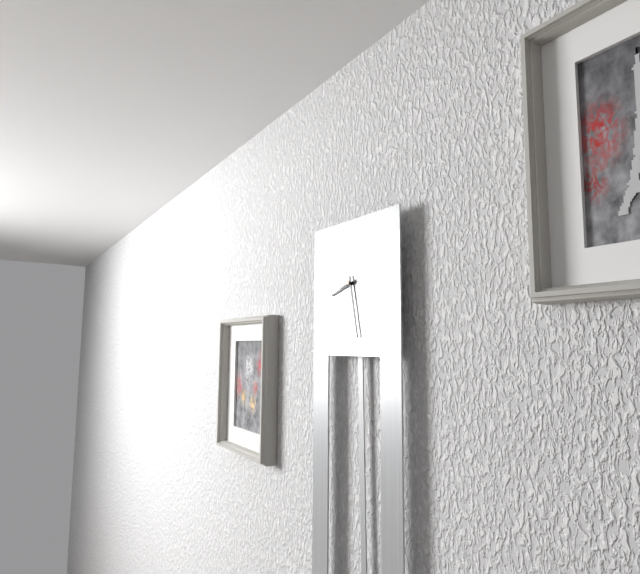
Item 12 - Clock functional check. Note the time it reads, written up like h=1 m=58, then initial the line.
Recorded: h=8 m=28
